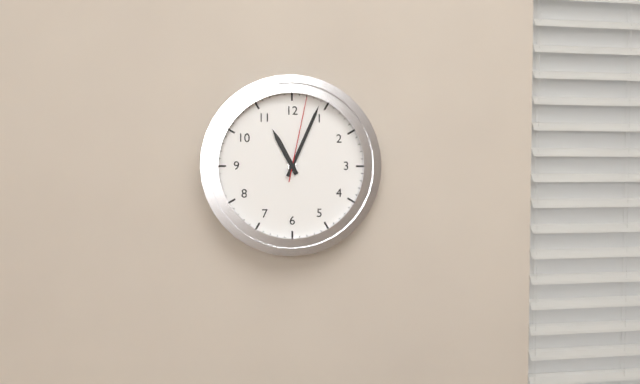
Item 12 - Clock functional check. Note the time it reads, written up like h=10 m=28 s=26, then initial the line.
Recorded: h=11 m=4 s=2
